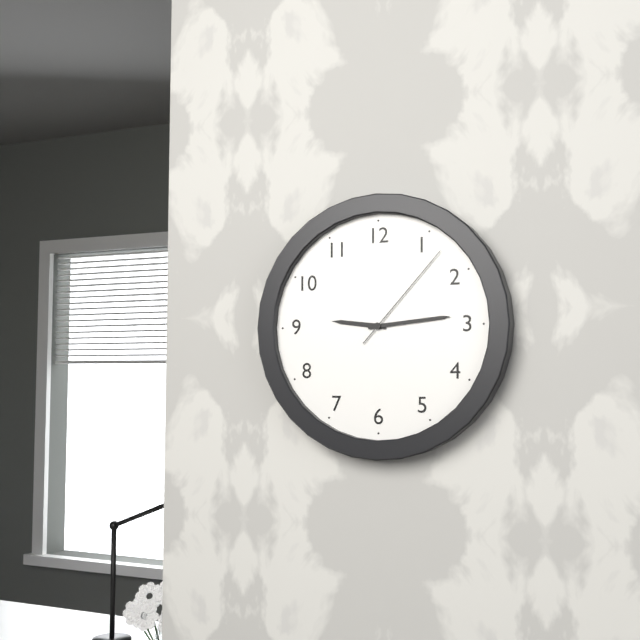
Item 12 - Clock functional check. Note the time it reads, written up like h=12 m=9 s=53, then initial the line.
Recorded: h=9 m=14 s=7
